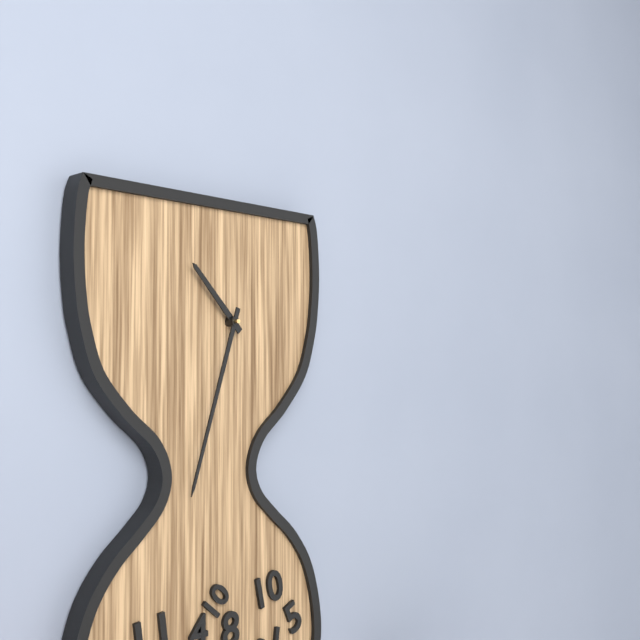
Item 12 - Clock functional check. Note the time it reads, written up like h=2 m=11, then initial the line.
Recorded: h=10 m=33
